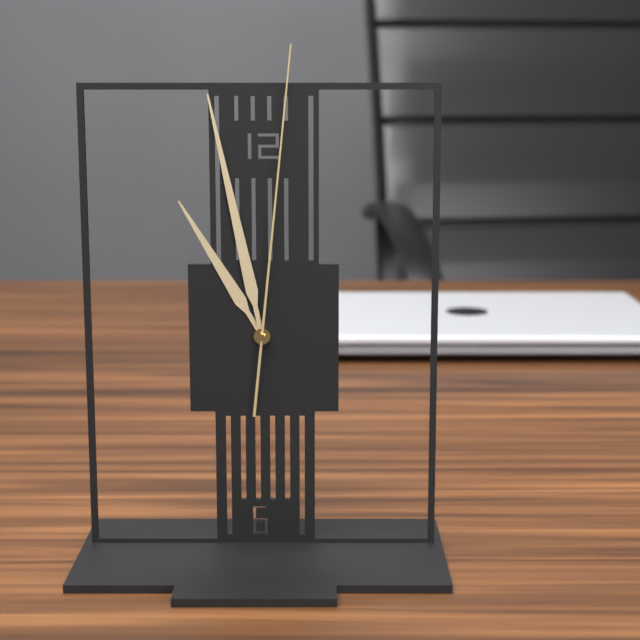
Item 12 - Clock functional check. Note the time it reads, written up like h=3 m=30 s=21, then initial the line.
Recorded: h=10 m=58 s=1
